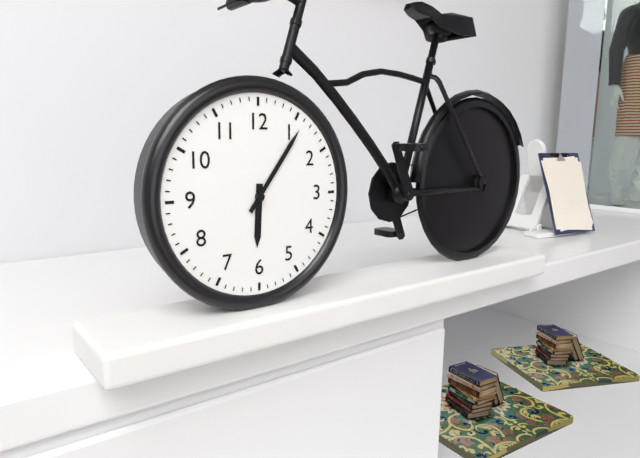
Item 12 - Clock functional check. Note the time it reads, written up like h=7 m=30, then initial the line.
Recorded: h=6 m=6
